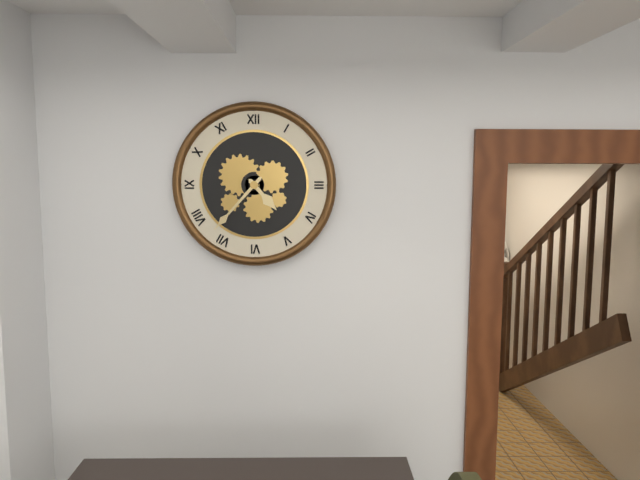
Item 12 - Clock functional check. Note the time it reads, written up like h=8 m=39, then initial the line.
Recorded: h=4 m=37
